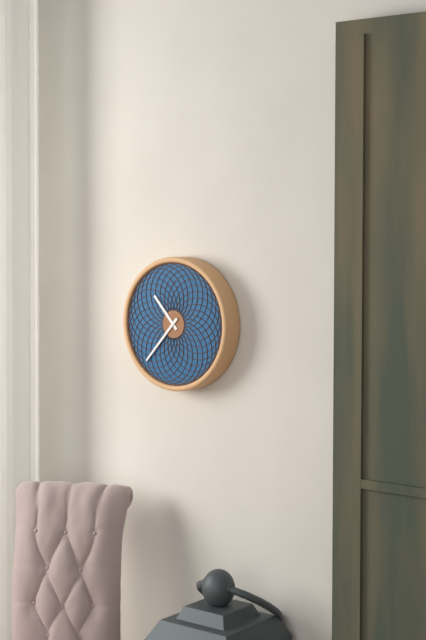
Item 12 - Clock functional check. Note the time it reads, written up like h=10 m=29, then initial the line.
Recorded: h=10 m=37
